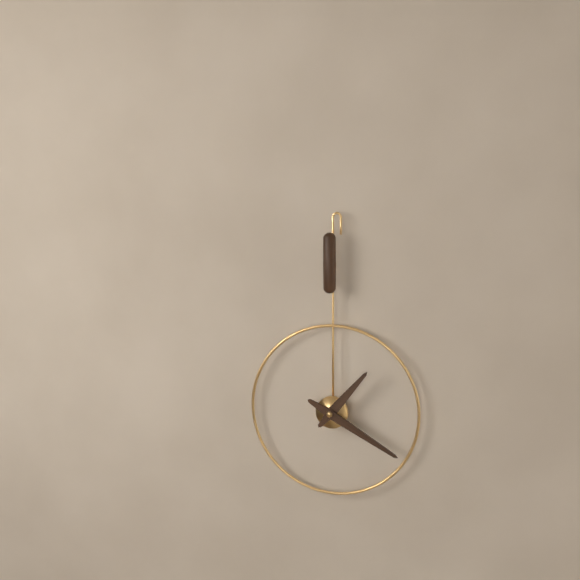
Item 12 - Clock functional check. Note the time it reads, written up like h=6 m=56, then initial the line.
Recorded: h=1 m=20
